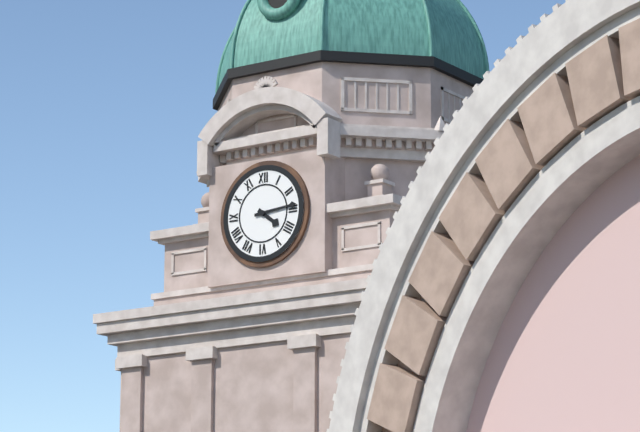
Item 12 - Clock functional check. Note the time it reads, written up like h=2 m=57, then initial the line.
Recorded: h=4 m=14
